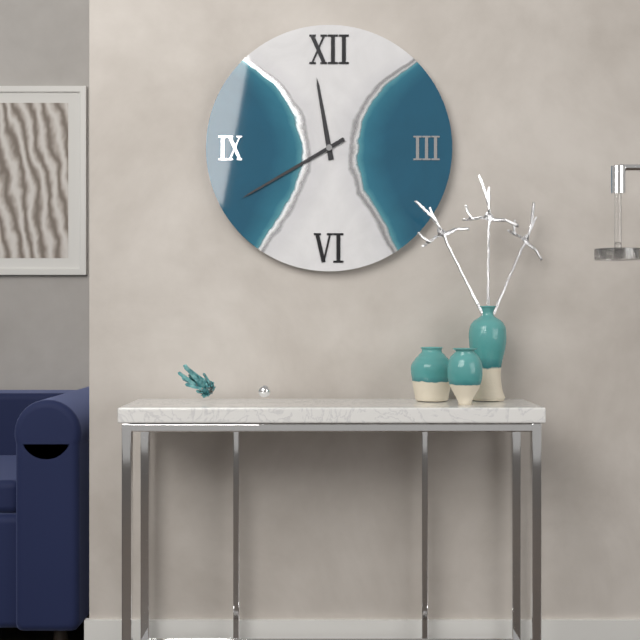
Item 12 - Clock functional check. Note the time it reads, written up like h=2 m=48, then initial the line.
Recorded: h=11 m=40
